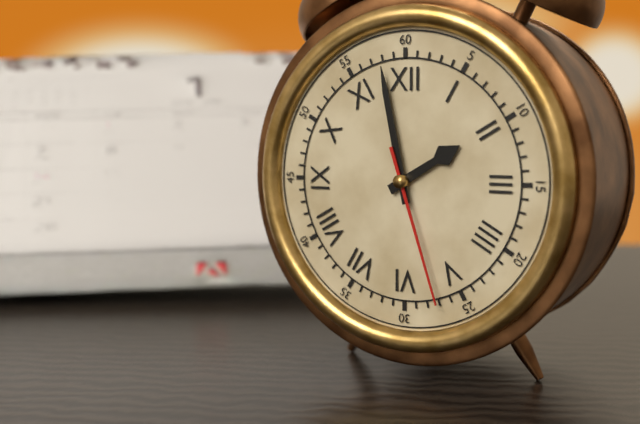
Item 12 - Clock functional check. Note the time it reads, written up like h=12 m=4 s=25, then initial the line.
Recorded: h=1 m=58 s=27
